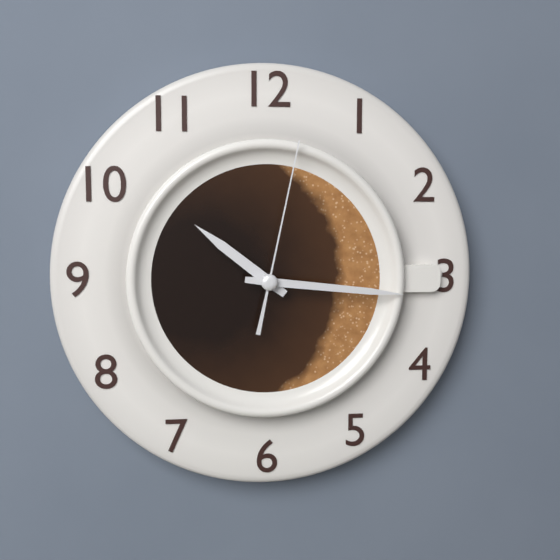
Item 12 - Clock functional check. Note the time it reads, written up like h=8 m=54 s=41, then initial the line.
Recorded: h=10 m=16 s=2
